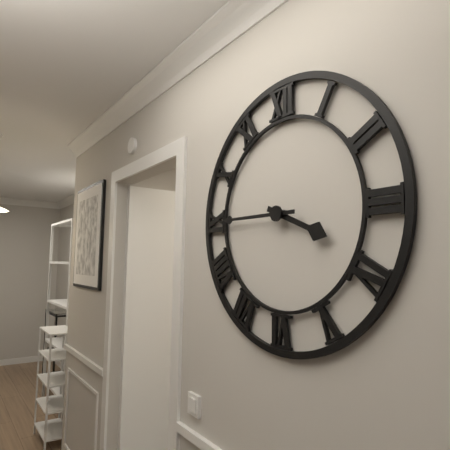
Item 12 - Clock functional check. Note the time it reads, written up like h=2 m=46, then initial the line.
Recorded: h=3 m=45
